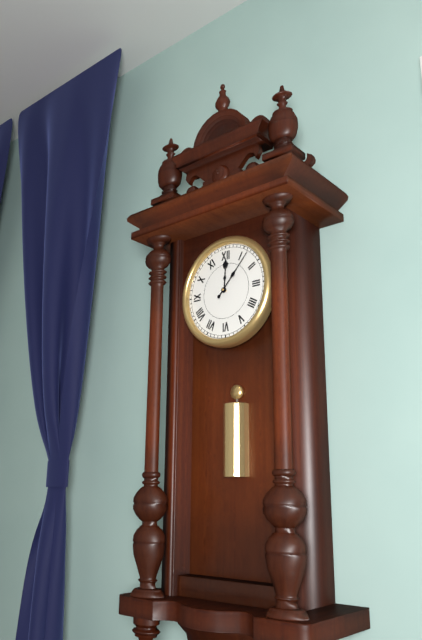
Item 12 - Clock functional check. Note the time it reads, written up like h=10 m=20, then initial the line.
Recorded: h=12 m=7
